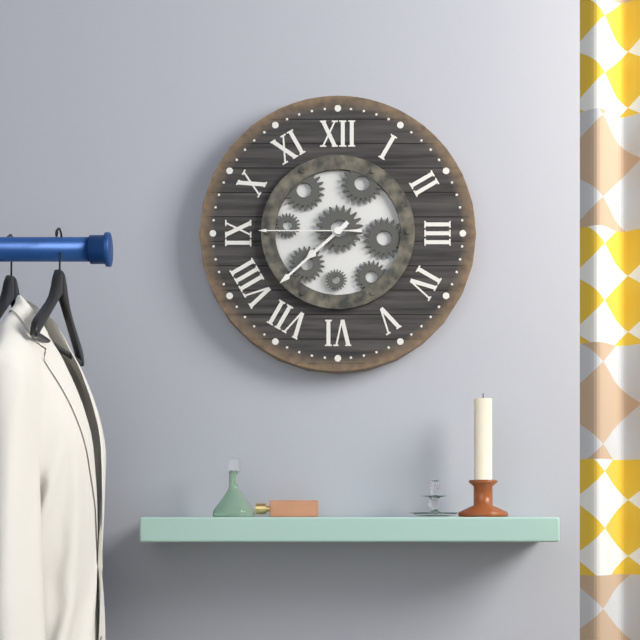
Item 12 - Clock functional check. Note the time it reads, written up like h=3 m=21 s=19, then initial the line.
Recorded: h=7 m=38 s=45
